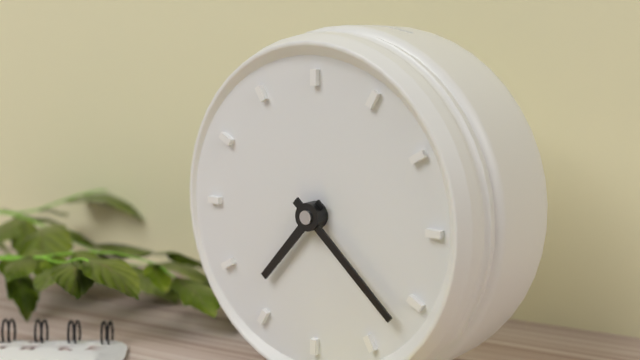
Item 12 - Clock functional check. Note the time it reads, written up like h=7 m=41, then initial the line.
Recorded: h=7 m=22
